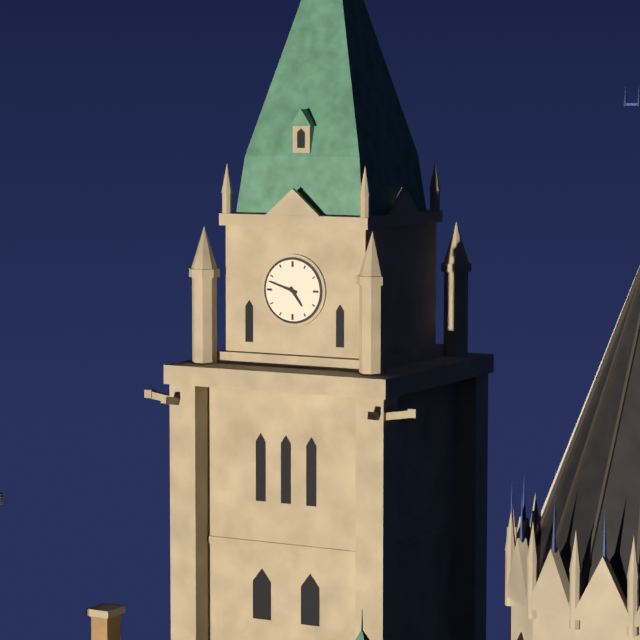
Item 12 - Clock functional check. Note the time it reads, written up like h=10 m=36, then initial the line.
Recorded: h=4 m=48
